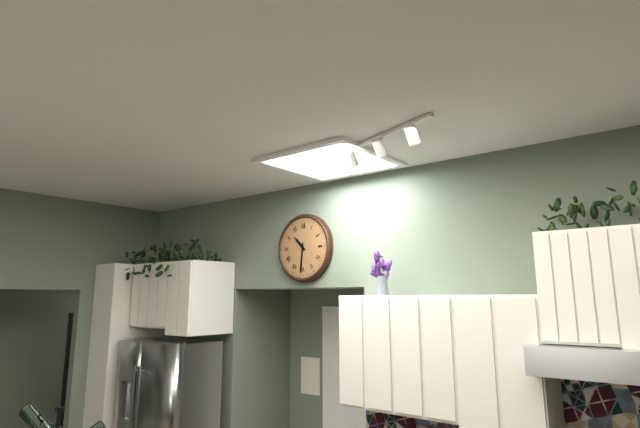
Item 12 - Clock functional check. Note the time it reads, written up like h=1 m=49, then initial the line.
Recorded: h=10 m=31
